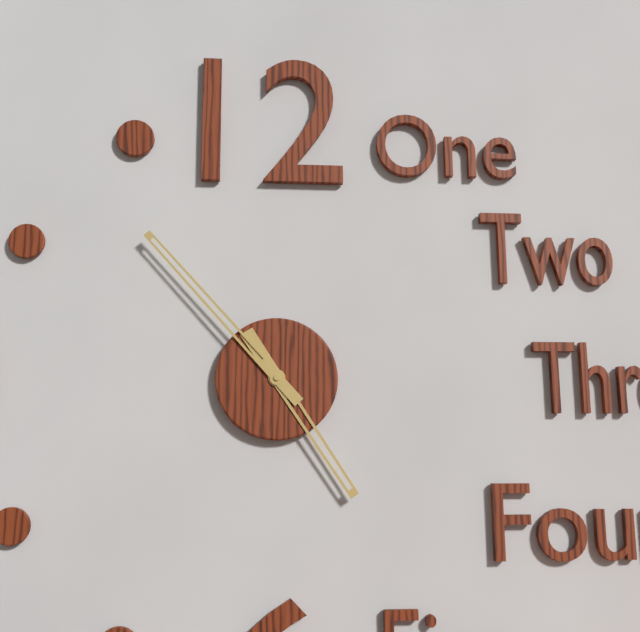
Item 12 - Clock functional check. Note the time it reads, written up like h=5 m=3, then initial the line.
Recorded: h=4 m=53
